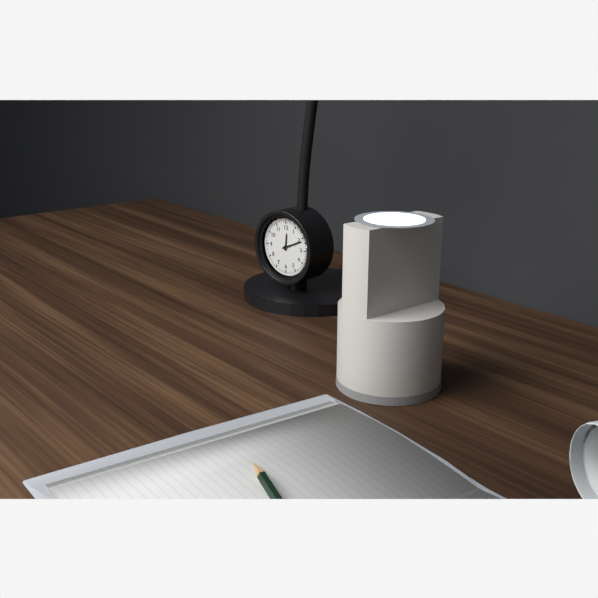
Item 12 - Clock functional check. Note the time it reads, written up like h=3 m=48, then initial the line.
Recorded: h=12 m=11
